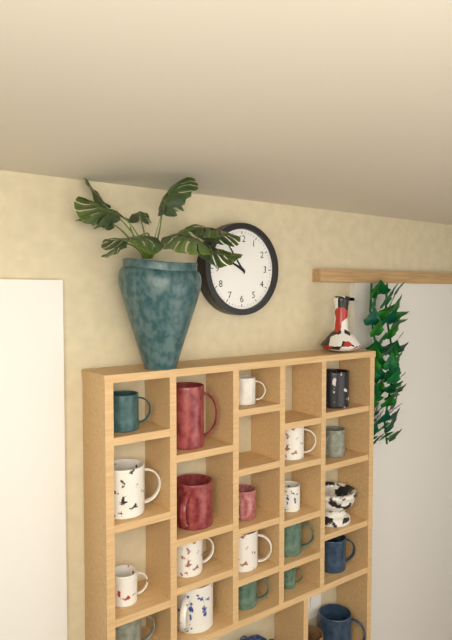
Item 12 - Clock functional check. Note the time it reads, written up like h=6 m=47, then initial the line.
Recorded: h=9 m=54
